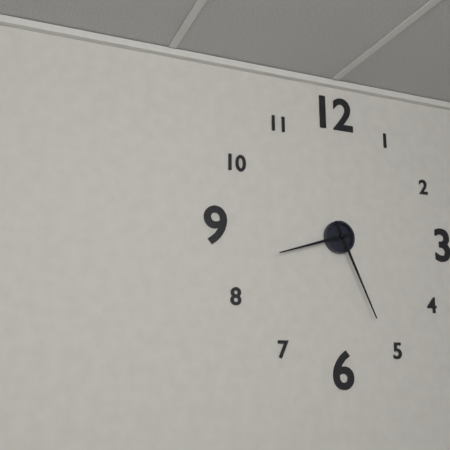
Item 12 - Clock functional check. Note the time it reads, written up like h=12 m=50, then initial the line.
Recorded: h=8 m=26
